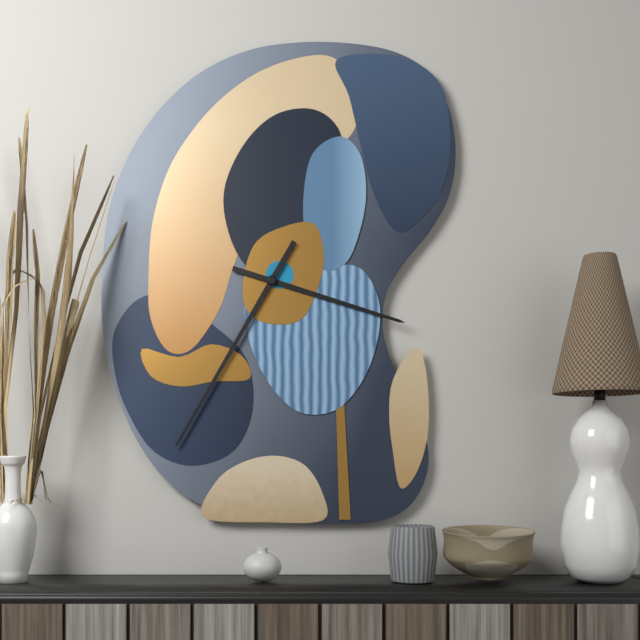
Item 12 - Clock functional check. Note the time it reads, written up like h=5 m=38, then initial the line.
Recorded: h=3 m=35
